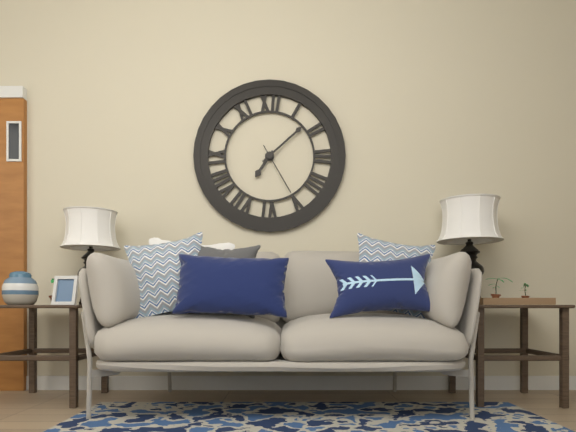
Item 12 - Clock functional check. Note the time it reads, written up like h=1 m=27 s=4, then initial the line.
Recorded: h=7 m=8 s=25
